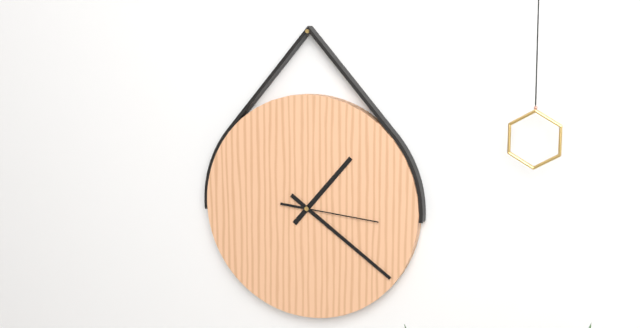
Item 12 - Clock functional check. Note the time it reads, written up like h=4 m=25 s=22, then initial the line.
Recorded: h=1 m=21 s=16
